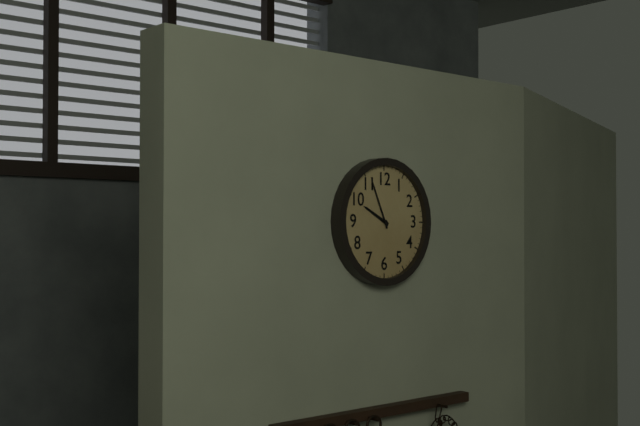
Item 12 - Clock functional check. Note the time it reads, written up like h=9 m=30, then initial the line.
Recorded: h=9 m=56
